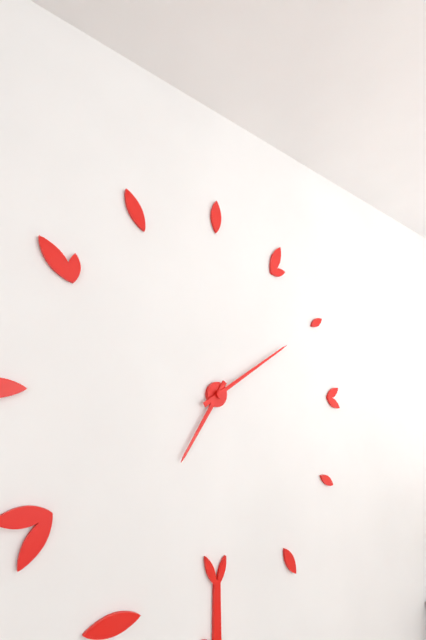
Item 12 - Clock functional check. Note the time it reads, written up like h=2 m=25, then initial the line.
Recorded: h=7 m=10
